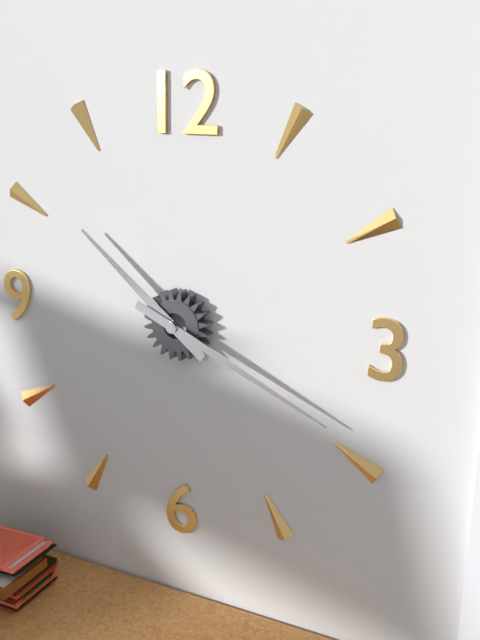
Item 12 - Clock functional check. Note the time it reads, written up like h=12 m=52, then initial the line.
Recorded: h=10 m=19
